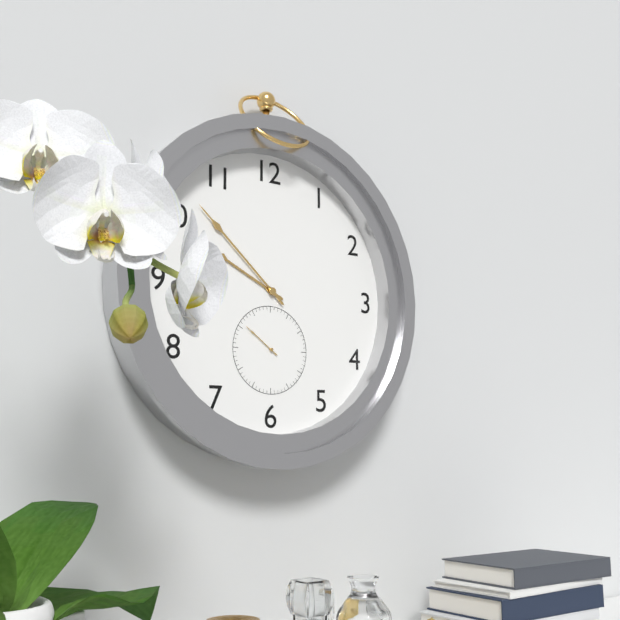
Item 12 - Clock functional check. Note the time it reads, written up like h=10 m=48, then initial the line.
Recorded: h=9 m=52
